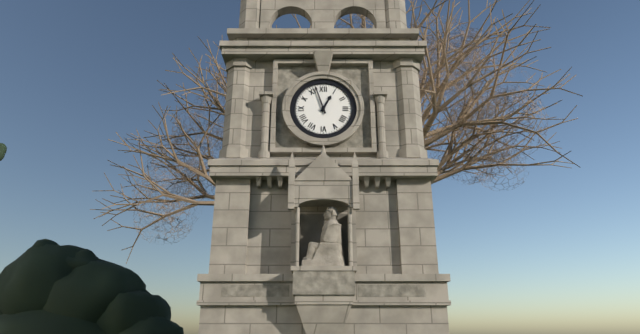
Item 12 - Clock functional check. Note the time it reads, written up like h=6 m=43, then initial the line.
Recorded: h=12 m=57
